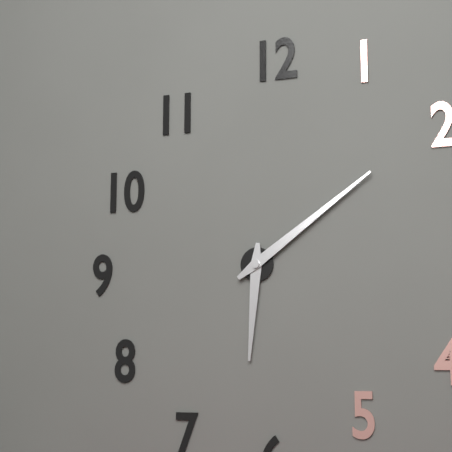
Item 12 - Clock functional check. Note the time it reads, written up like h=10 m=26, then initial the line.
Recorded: h=6 m=9
